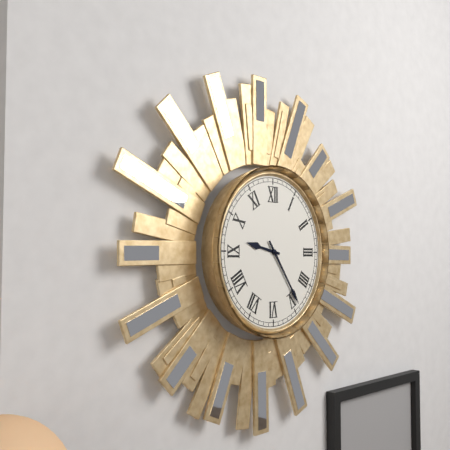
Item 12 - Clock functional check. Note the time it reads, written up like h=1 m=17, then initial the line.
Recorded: h=9 m=24
